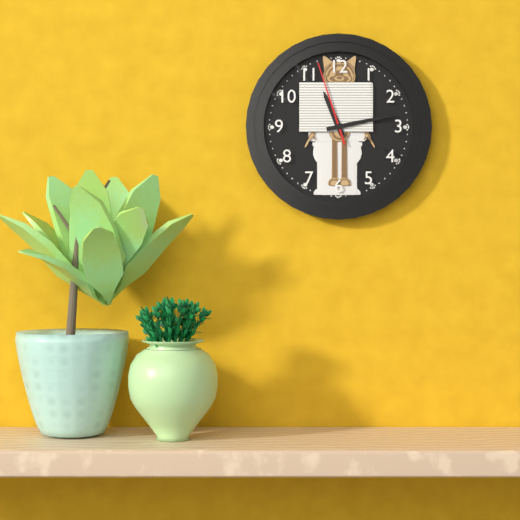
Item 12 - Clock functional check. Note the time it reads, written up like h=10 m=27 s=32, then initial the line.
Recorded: h=11 m=13 s=57
